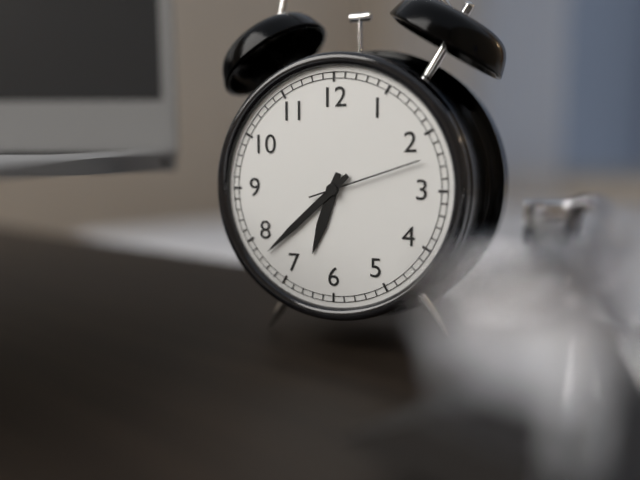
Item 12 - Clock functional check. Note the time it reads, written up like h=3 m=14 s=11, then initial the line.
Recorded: h=6 m=38 s=12
